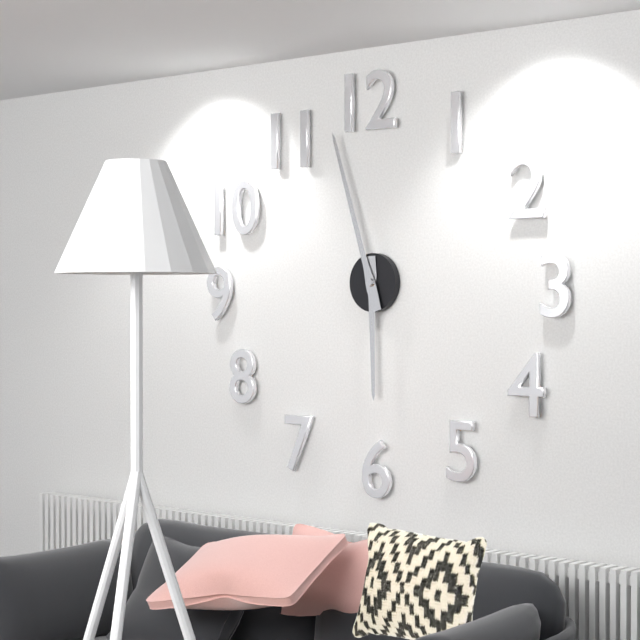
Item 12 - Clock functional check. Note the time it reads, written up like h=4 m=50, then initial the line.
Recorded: h=5 m=57
